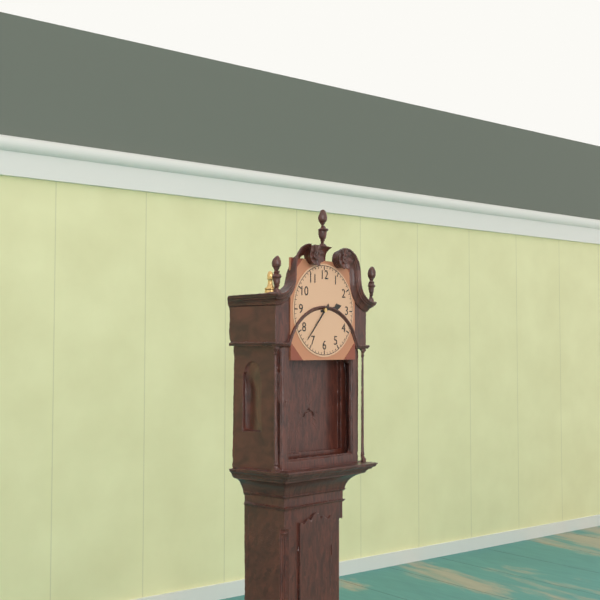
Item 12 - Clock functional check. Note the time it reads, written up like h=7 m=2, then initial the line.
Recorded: h=2 m=37
